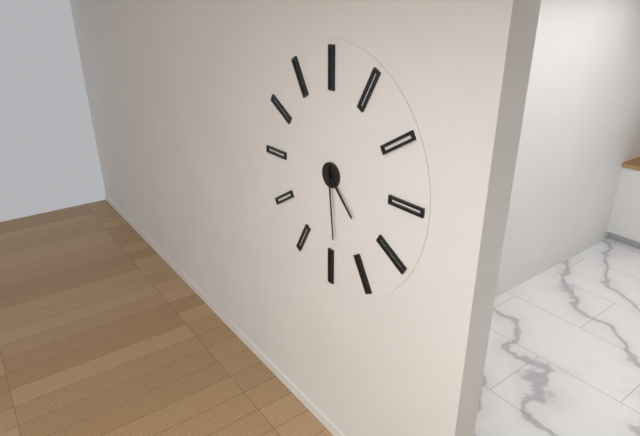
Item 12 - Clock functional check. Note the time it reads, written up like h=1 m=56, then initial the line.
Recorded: h=4 m=29
